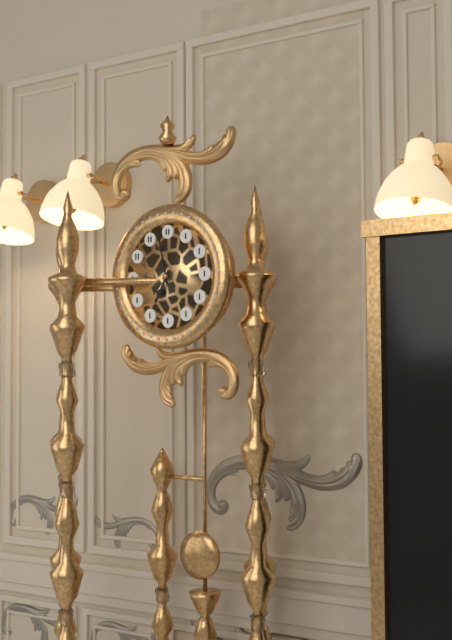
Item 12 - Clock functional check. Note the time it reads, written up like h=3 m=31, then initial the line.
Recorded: h=6 m=58
